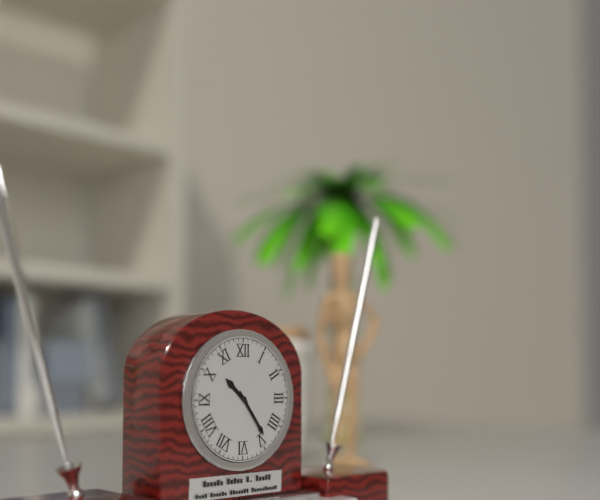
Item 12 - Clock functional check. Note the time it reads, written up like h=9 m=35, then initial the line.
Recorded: h=10 m=24
